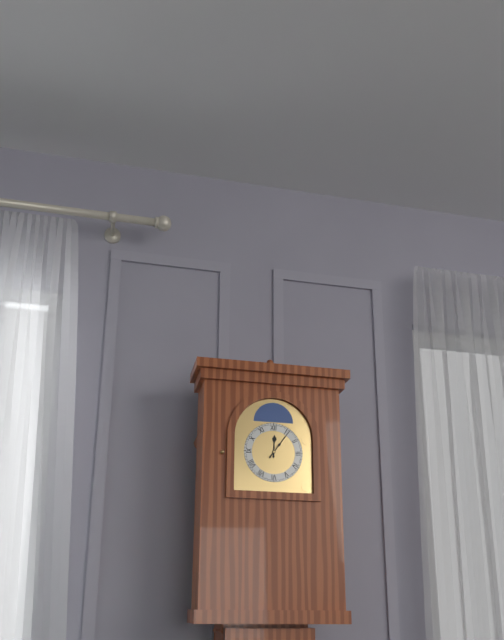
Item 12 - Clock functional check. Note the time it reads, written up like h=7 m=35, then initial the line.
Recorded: h=12 m=6
